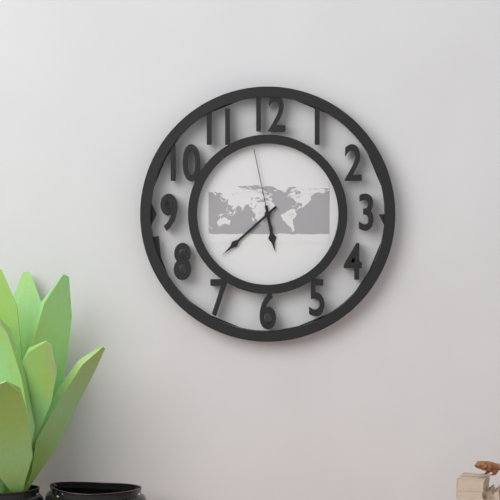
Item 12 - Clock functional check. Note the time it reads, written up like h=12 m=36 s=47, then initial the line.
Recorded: h=5 m=38 s=58
